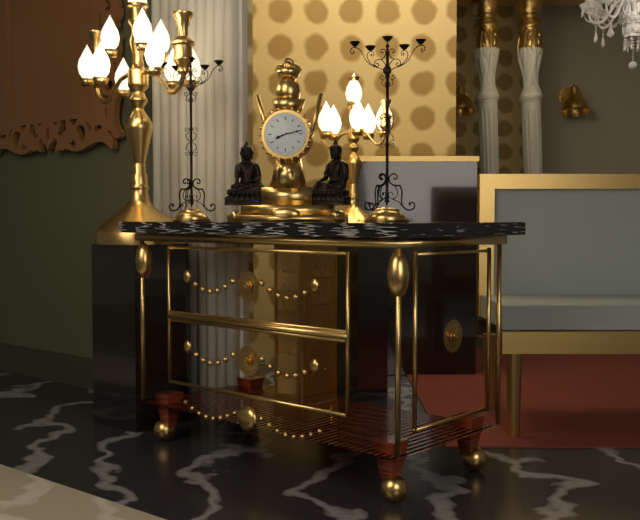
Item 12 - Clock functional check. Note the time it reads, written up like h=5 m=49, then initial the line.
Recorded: h=8 m=13
